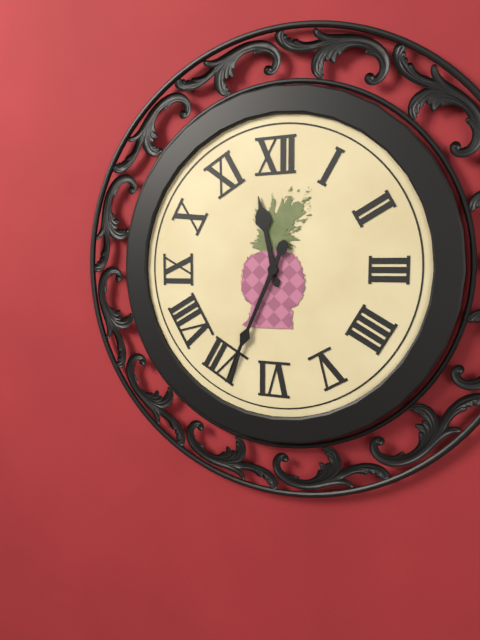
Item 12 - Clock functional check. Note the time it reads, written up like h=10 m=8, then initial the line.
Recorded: h=11 m=34
